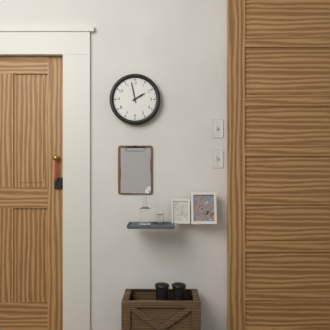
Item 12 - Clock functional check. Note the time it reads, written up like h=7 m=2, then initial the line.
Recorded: h=1 m=58
